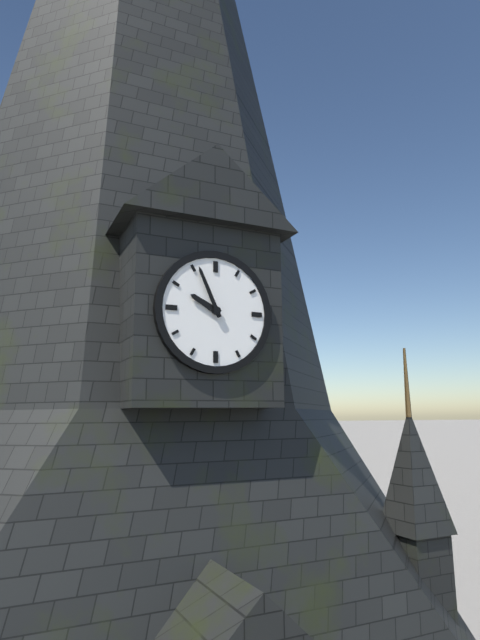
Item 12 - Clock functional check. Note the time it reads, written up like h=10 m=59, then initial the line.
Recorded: h=9 m=56
